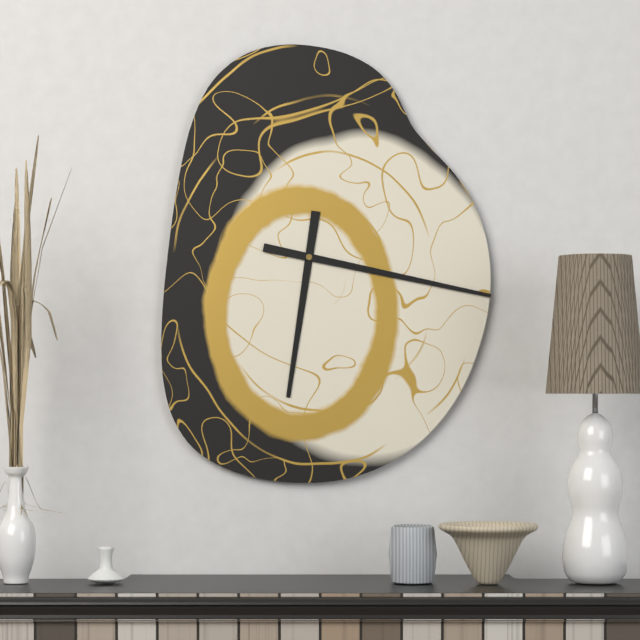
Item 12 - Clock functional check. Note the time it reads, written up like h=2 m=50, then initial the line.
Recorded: h=6 m=17
